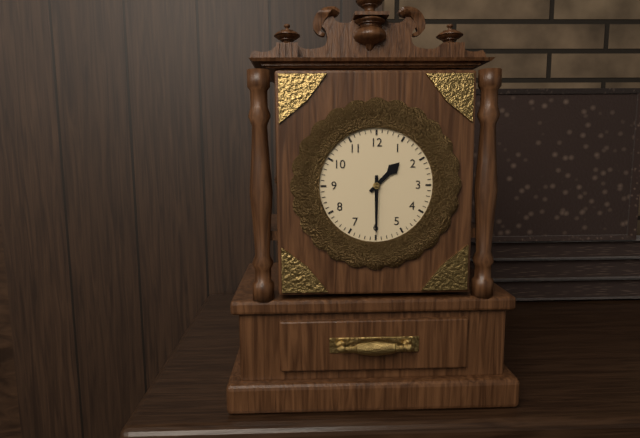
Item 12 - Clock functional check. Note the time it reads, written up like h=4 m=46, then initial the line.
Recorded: h=1 m=30
